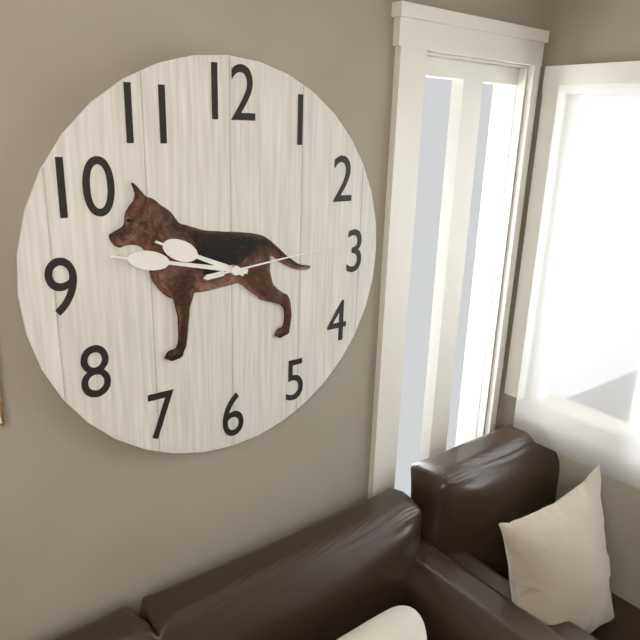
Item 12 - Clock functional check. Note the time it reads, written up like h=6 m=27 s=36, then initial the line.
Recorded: h=9 m=47 s=14
